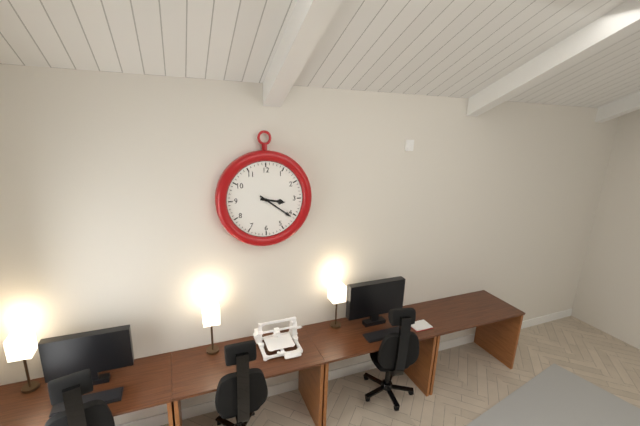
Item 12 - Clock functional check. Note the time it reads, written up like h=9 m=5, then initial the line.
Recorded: h=3 m=21
